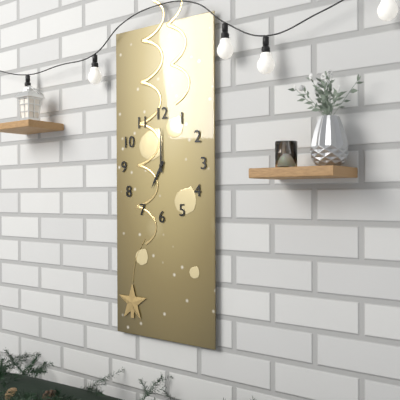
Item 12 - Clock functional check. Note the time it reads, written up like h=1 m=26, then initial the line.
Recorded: h=7 m=0
